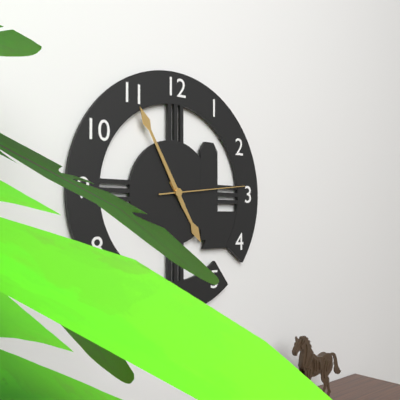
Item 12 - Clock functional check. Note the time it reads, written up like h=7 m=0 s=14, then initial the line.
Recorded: h=4 m=55 s=14
